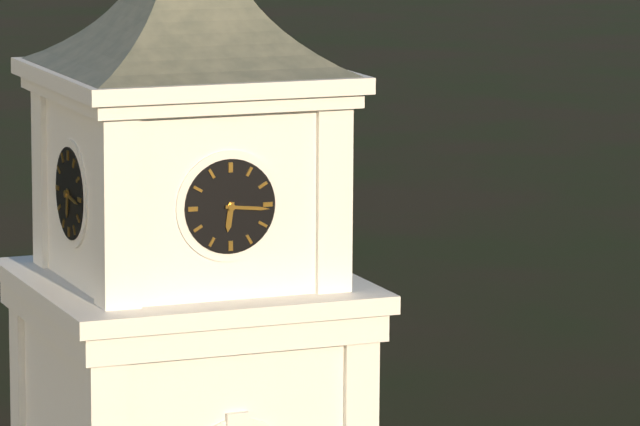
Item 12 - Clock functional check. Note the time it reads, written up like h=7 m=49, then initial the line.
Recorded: h=6 m=16
